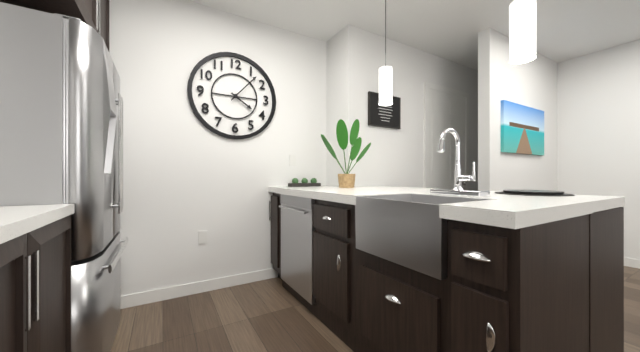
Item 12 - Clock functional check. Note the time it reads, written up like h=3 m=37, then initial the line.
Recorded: h=4 m=7
